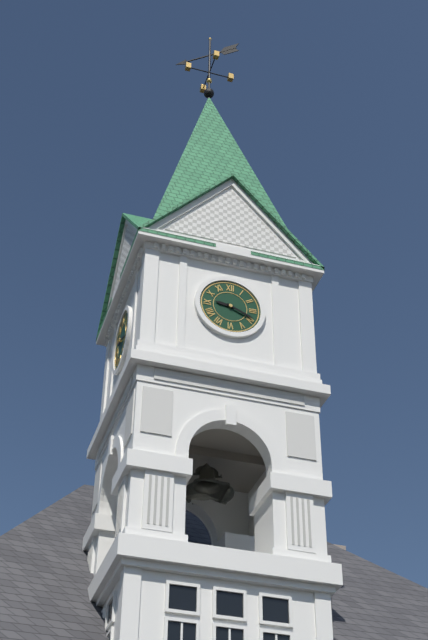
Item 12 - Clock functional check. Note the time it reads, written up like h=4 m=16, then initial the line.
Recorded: h=9 m=19
